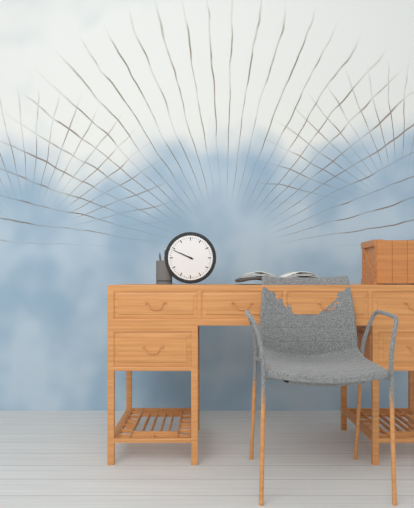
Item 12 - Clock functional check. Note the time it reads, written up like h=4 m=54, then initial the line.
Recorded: h=9 m=49
